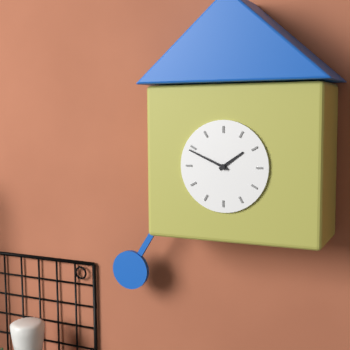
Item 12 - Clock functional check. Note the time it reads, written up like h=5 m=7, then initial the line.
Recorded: h=1 m=49
